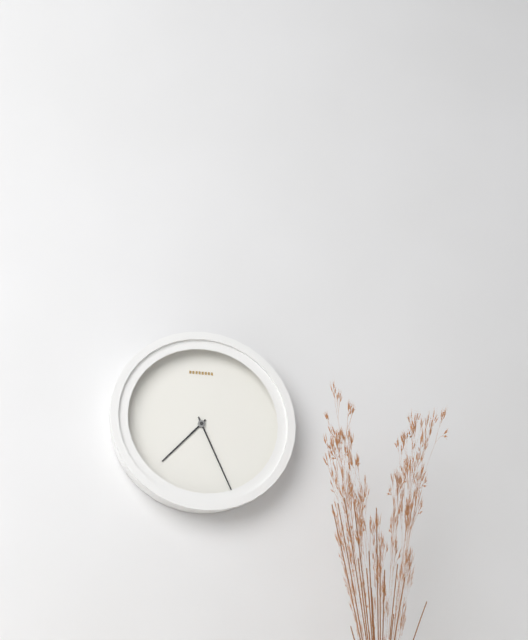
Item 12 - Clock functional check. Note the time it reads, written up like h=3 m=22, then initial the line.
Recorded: h=7 m=26
